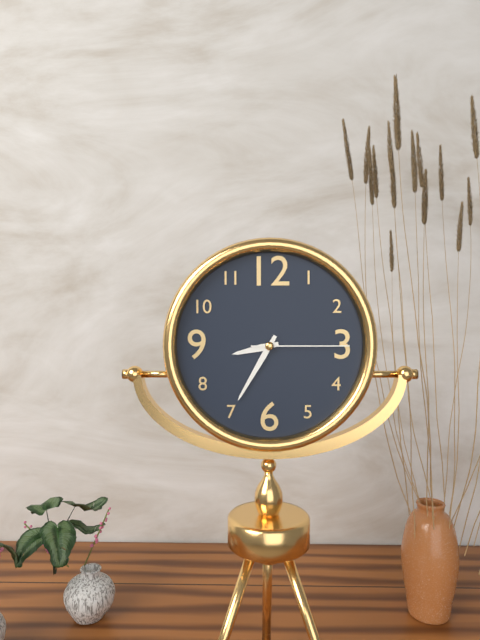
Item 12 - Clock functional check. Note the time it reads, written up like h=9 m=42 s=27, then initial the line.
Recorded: h=8 m=35 s=15
